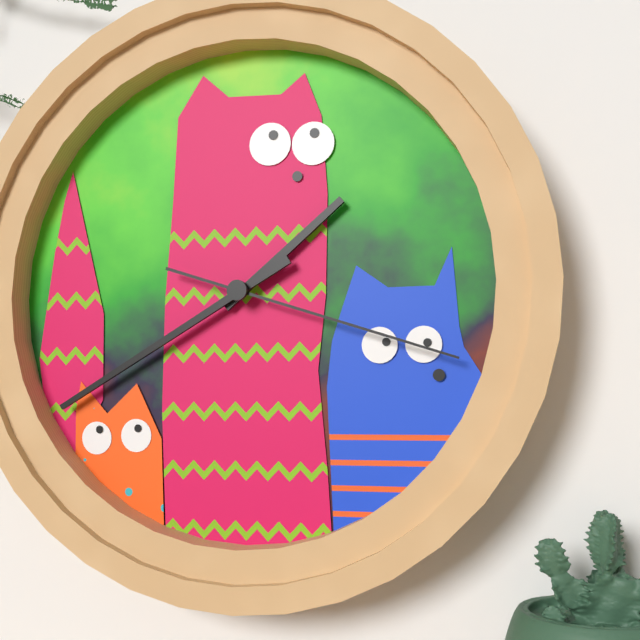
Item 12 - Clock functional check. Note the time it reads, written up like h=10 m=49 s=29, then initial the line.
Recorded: h=1 m=40 s=18
